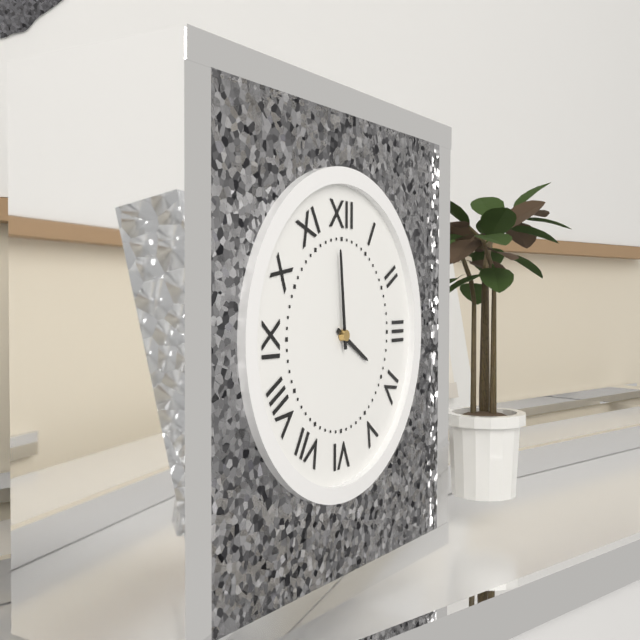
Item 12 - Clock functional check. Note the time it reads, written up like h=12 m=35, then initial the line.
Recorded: h=3 m=59
